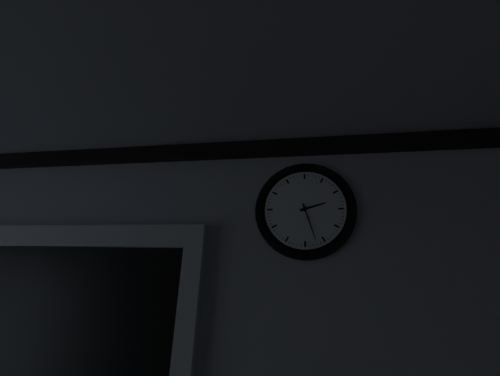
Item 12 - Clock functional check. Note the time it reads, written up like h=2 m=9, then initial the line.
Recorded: h=2 m=27
